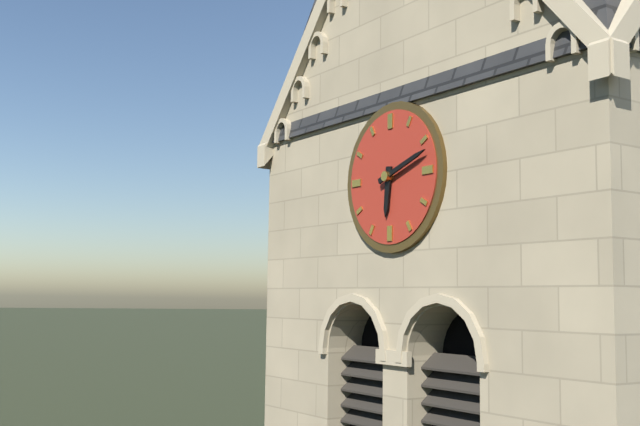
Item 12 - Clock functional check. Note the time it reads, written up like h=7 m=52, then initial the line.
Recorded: h=6 m=12
